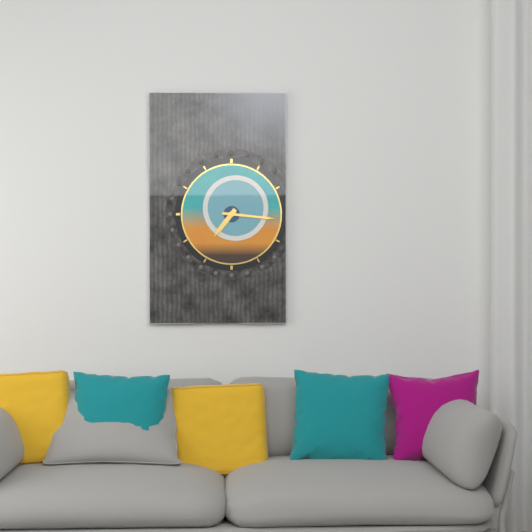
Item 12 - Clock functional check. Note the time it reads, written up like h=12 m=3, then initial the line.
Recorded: h=7 m=16
